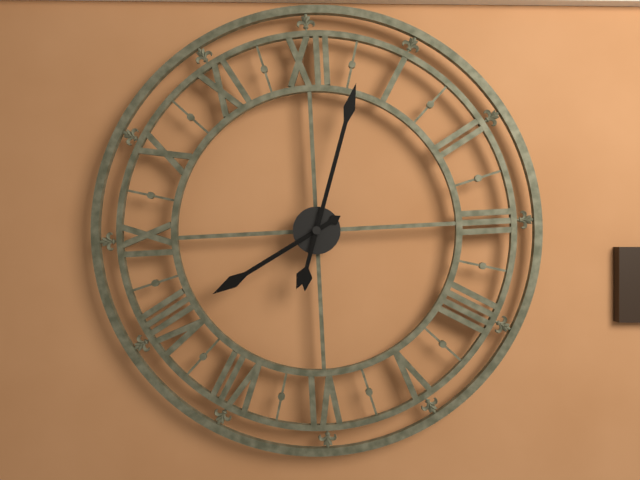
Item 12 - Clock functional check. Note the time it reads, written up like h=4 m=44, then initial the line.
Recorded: h=8 m=3
